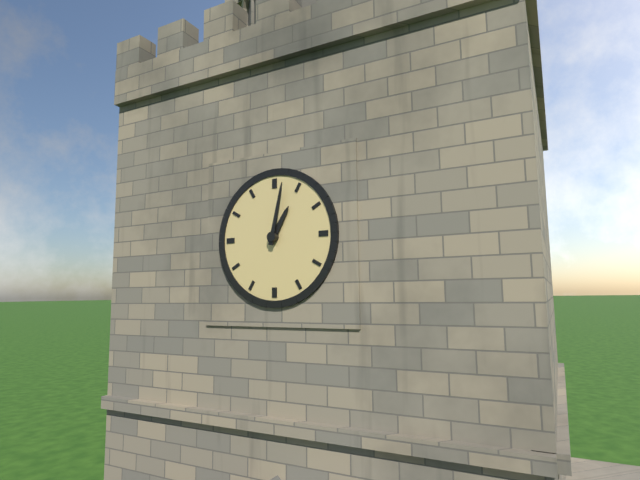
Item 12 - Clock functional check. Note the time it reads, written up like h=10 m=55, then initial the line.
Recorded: h=1 m=2
